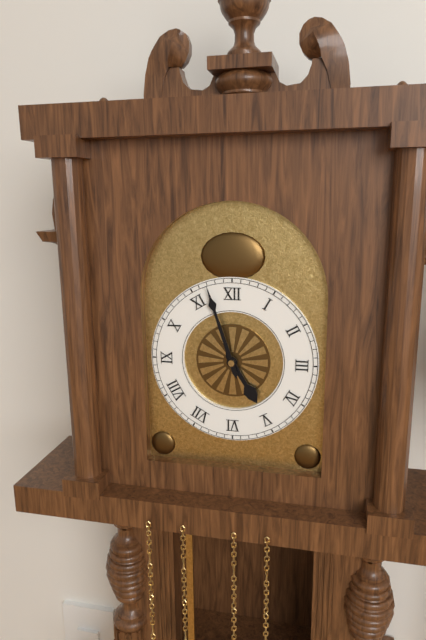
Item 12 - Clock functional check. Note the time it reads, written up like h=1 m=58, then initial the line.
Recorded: h=4 m=57
